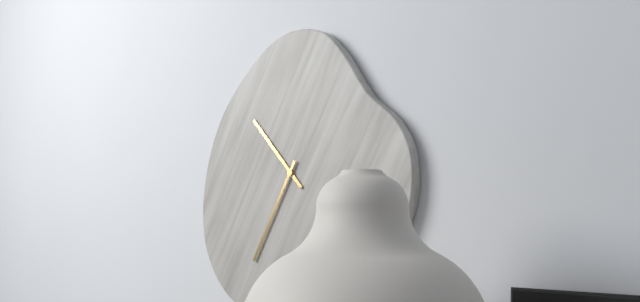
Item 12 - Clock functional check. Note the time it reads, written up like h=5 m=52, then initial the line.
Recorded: h=10 m=35
